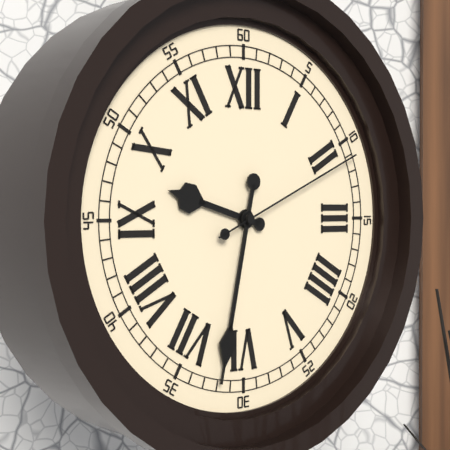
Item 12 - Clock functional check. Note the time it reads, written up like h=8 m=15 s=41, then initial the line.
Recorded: h=9 m=32 s=11
